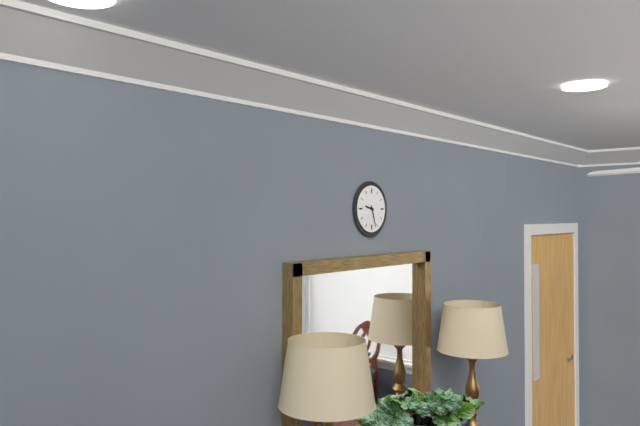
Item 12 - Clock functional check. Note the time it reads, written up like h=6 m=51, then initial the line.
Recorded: h=9 m=27
